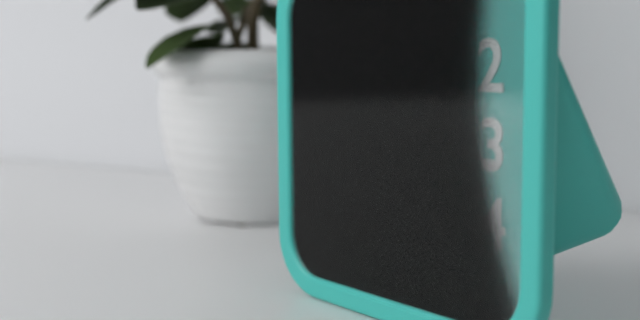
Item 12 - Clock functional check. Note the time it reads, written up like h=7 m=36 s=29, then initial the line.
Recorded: h=2 m=26 s=16
